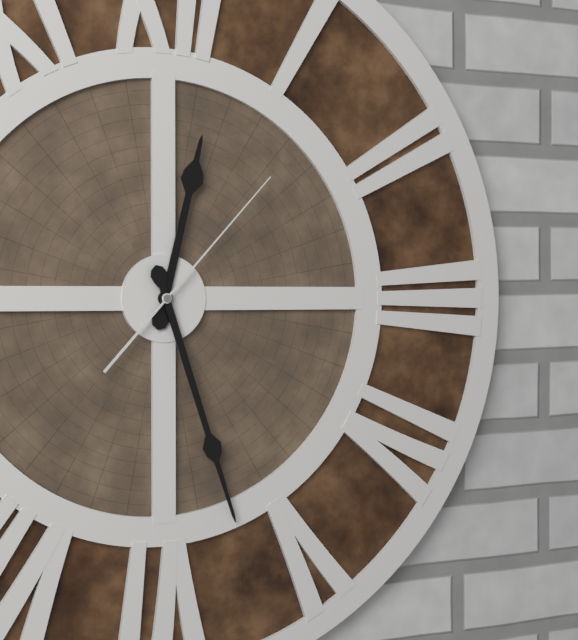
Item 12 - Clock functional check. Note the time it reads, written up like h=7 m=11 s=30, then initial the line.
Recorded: h=12 m=27 s=7
